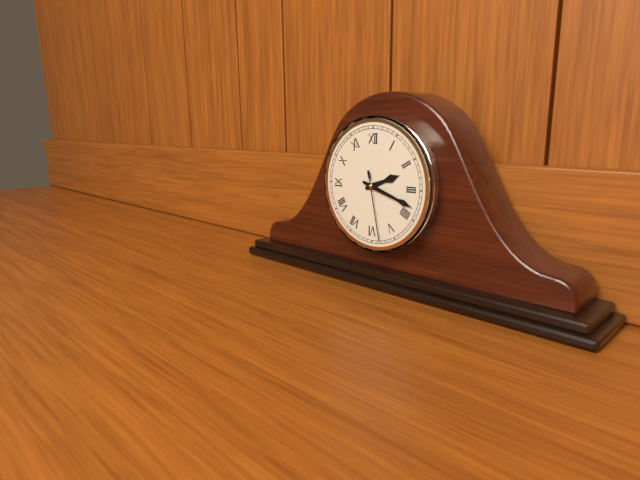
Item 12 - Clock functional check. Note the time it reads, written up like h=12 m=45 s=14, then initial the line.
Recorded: h=2 m=18 s=28
